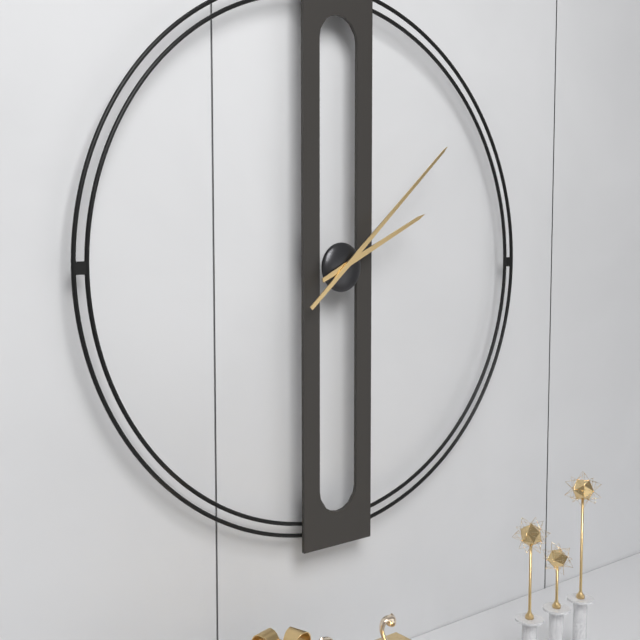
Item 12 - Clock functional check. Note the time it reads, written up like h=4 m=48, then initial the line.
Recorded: h=2 m=8
